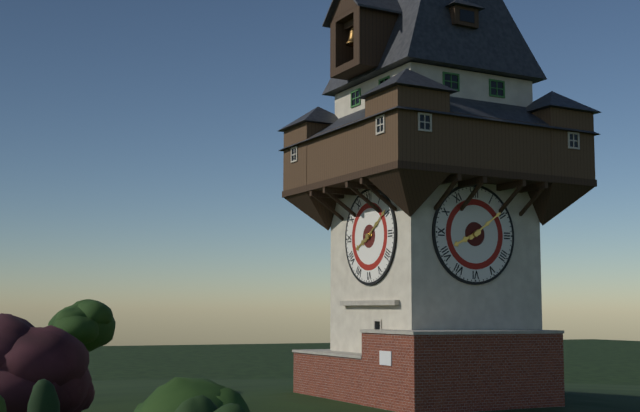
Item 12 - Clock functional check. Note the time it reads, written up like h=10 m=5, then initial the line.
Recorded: h=8 m=9
